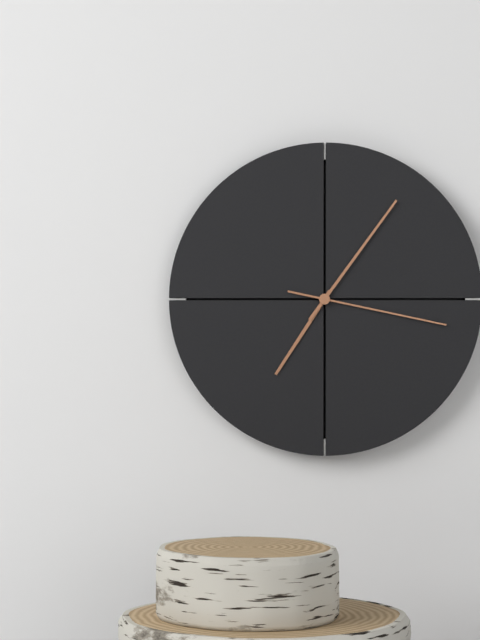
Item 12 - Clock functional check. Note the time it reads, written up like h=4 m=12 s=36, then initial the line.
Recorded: h=7 m=6 s=17
